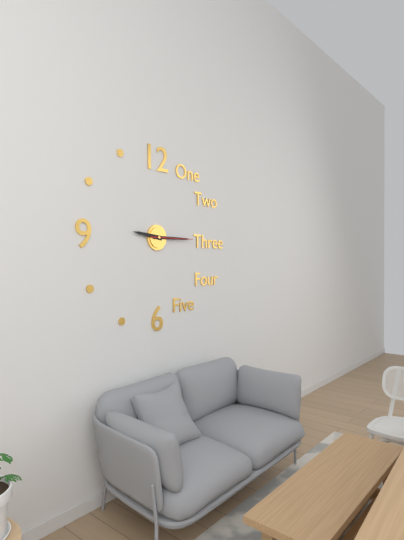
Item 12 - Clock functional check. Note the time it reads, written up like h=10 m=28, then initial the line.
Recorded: h=9 m=15
